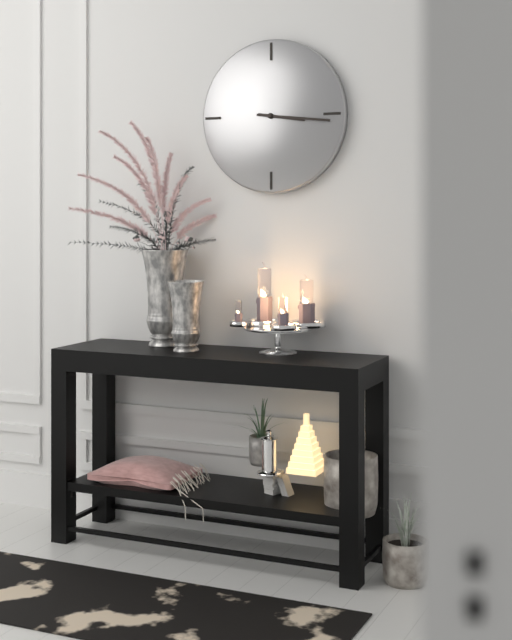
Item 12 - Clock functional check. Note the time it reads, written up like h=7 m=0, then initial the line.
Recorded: h=3 m=16
